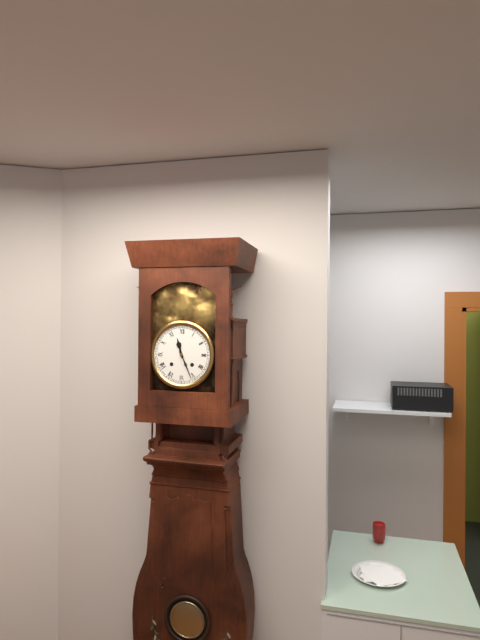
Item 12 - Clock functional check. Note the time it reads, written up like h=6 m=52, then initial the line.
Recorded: h=11 m=26
